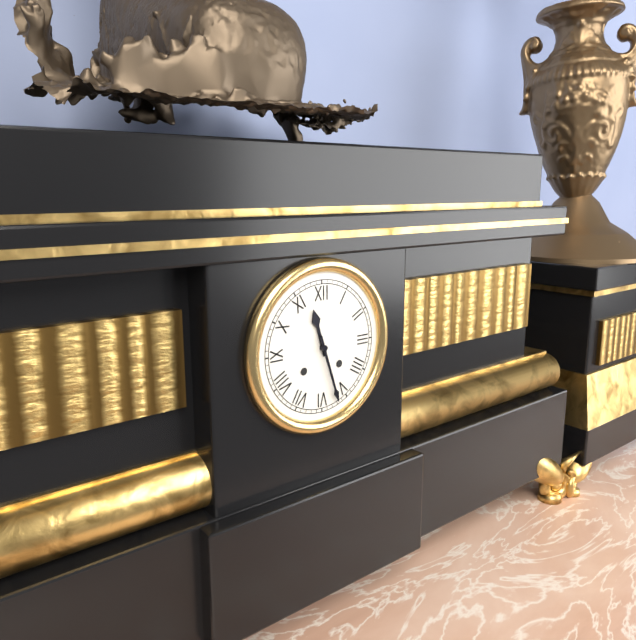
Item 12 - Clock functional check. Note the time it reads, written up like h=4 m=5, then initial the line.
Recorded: h=11 m=27
